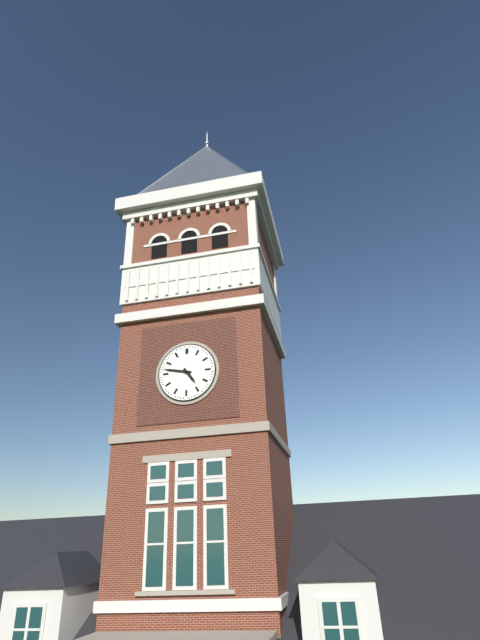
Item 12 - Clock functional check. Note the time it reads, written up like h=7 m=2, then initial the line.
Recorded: h=4 m=47
